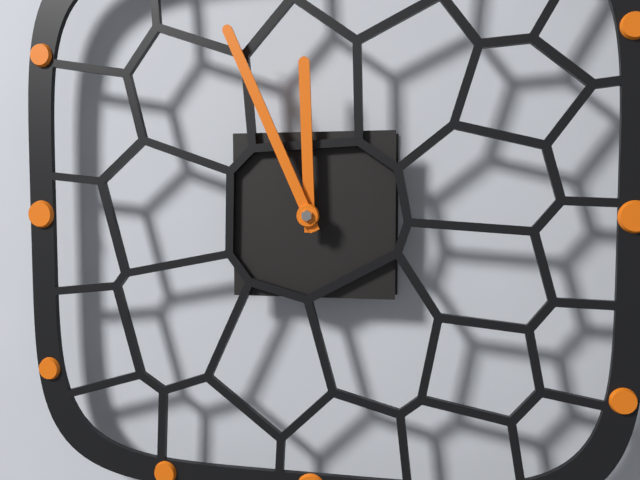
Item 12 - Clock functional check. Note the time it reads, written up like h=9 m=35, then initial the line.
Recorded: h=11 m=56
